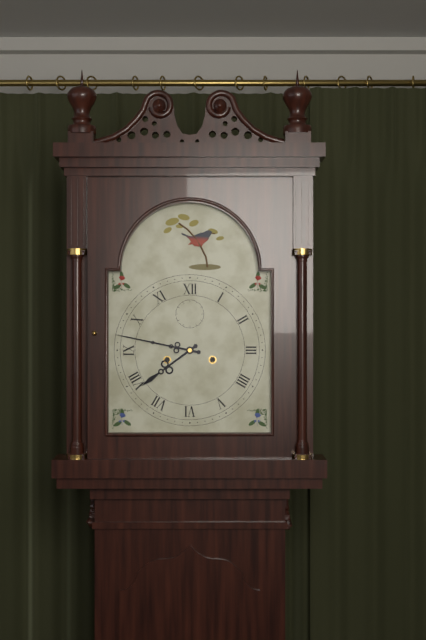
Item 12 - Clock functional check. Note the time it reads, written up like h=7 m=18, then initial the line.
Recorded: h=7 m=47
